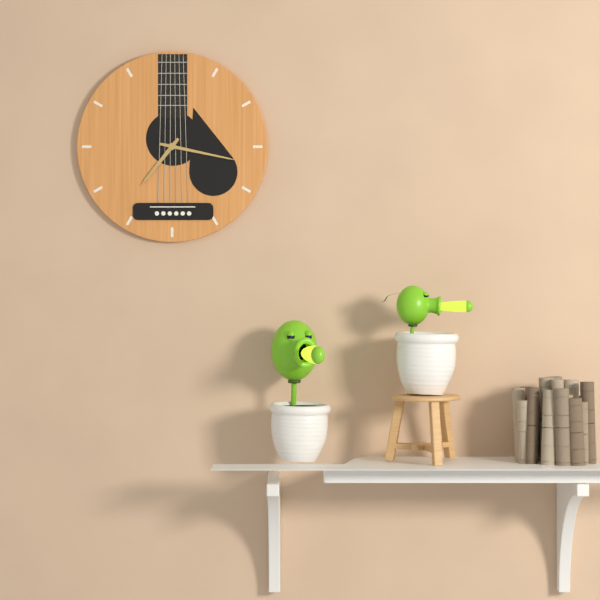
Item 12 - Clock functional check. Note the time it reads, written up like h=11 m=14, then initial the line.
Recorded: h=7 m=17
